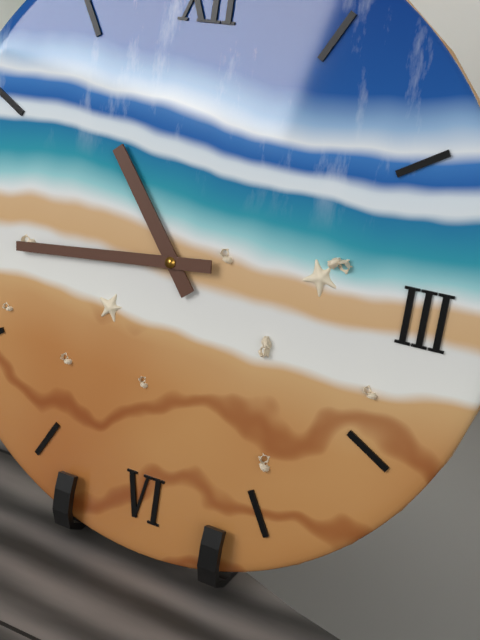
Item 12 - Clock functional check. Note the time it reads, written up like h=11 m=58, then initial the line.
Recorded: h=10 m=44
